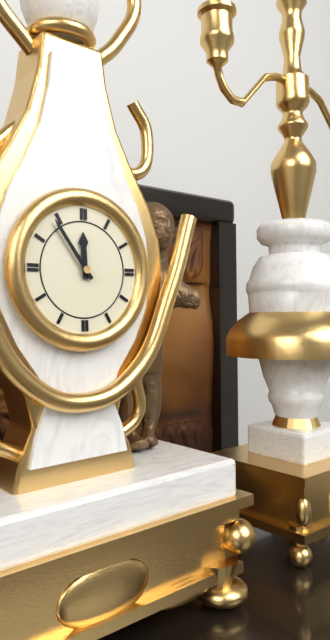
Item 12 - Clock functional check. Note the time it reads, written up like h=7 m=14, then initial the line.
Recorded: h=11 m=54
